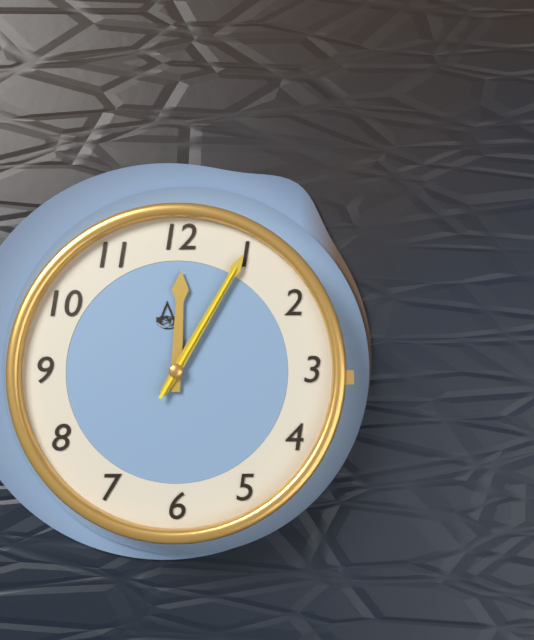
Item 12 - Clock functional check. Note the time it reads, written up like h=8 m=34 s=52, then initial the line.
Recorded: h=12 m=5 s=5
